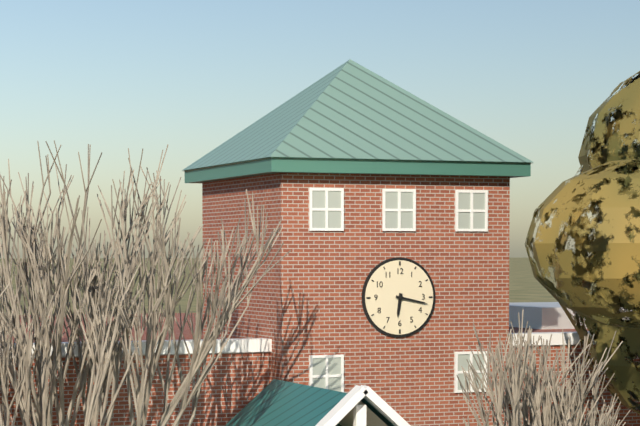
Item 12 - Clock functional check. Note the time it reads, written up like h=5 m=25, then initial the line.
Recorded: h=6 m=17
